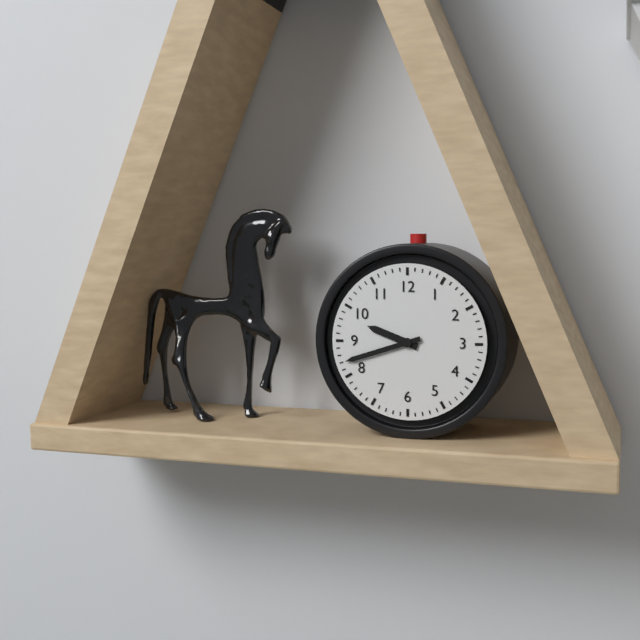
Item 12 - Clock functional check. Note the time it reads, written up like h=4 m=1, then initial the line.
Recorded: h=9 m=42
